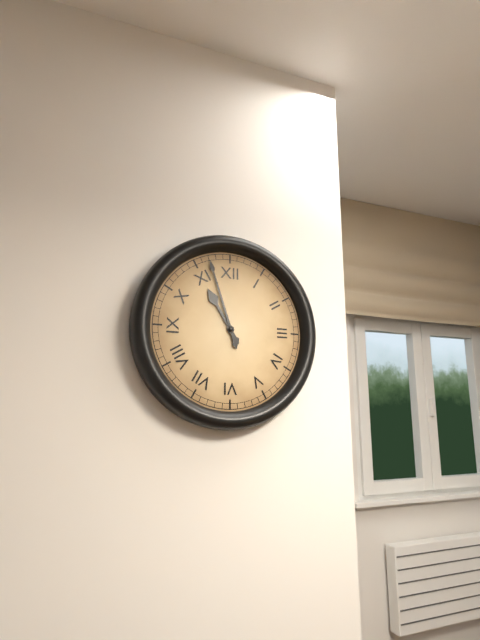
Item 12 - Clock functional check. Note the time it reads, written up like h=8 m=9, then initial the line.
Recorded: h=10 m=57
